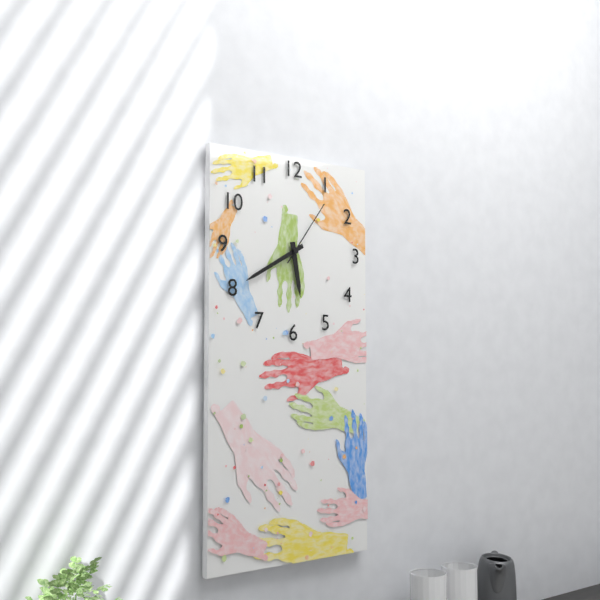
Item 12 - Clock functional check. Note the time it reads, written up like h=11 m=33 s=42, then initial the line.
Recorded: h=5 m=40 s=6
